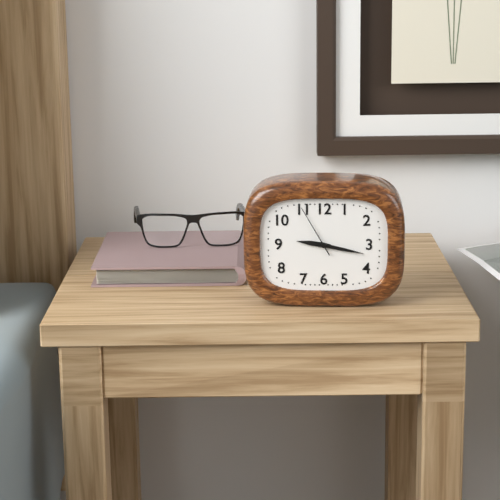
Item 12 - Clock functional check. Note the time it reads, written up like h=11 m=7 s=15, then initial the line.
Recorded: h=9 m=17 s=55
